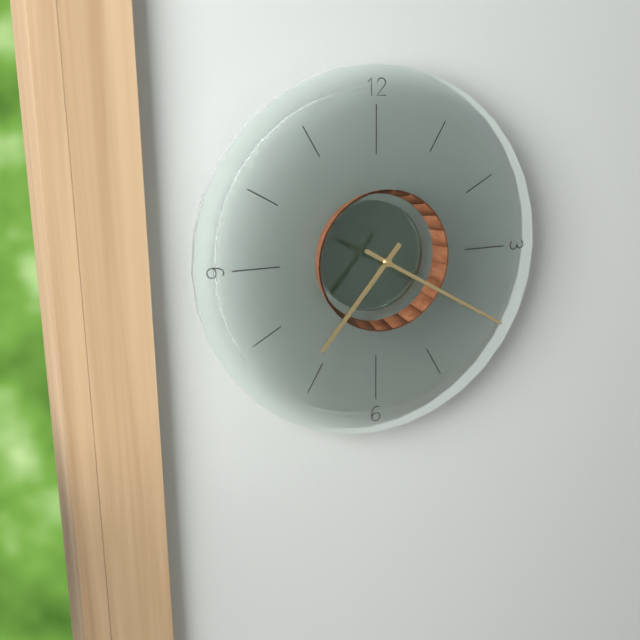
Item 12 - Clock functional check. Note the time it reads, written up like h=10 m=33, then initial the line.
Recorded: h=7 m=20
